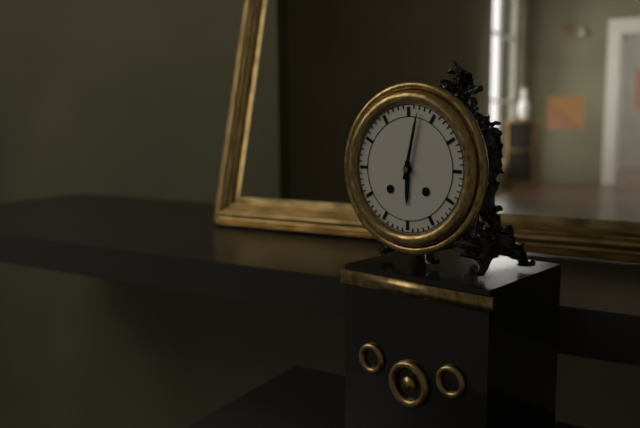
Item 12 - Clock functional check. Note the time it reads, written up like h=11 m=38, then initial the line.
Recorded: h=6 m=2
